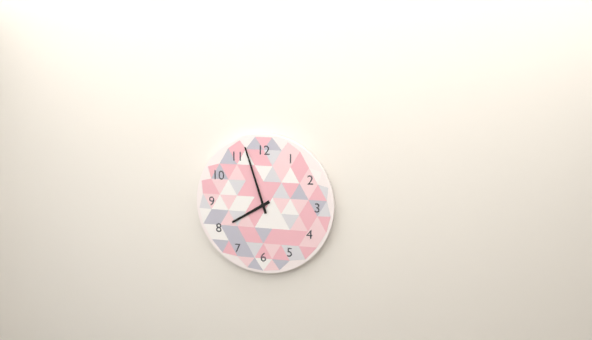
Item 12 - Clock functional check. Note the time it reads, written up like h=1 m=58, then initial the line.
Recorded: h=7 m=57
